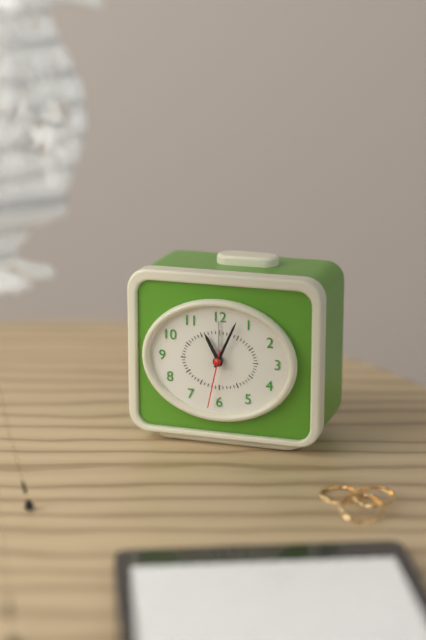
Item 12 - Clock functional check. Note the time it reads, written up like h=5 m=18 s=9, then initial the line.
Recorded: h=11 m=4 s=32
